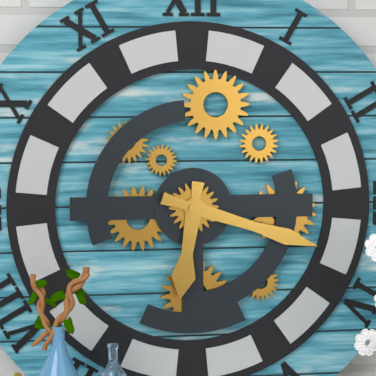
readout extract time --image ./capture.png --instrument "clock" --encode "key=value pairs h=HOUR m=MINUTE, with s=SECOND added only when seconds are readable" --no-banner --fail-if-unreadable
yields h=6 m=18
